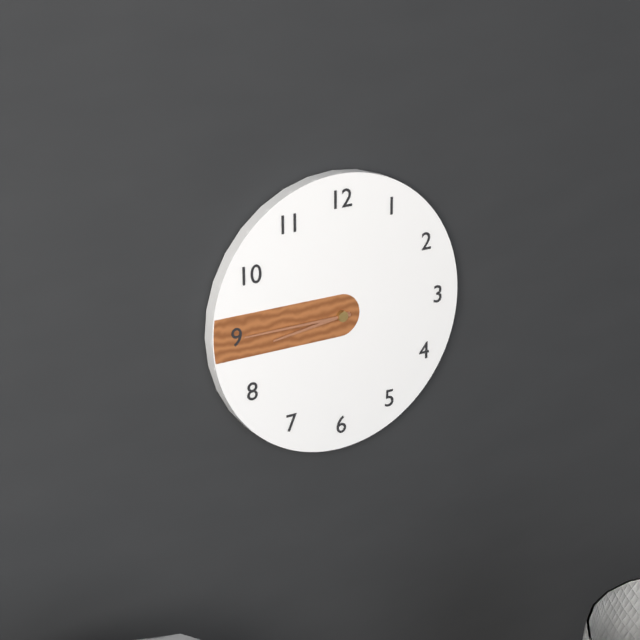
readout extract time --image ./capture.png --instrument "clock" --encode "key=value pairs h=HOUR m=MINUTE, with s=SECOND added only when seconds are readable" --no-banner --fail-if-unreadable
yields h=8 m=45
